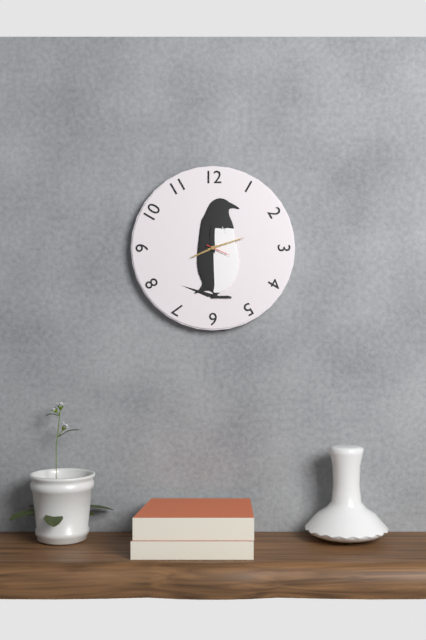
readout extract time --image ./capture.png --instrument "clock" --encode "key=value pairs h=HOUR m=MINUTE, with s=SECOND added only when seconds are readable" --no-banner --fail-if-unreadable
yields h=8 m=12
